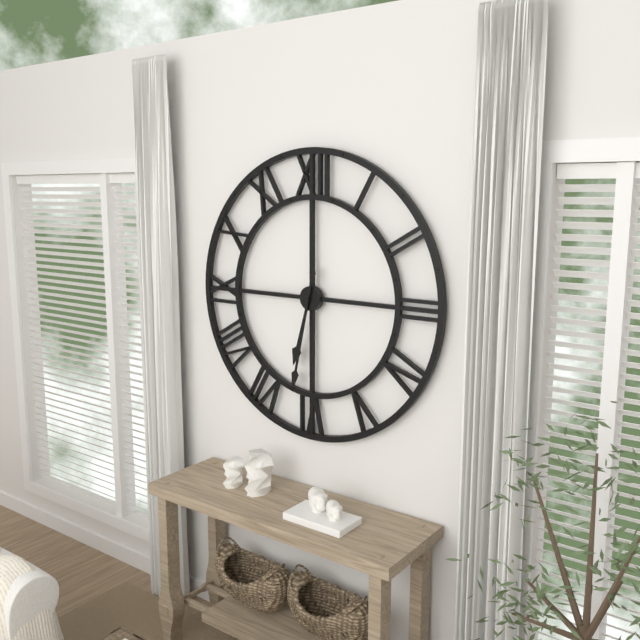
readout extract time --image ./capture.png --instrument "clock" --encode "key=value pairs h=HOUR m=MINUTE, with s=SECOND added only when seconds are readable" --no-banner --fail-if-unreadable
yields h=6 m=32
